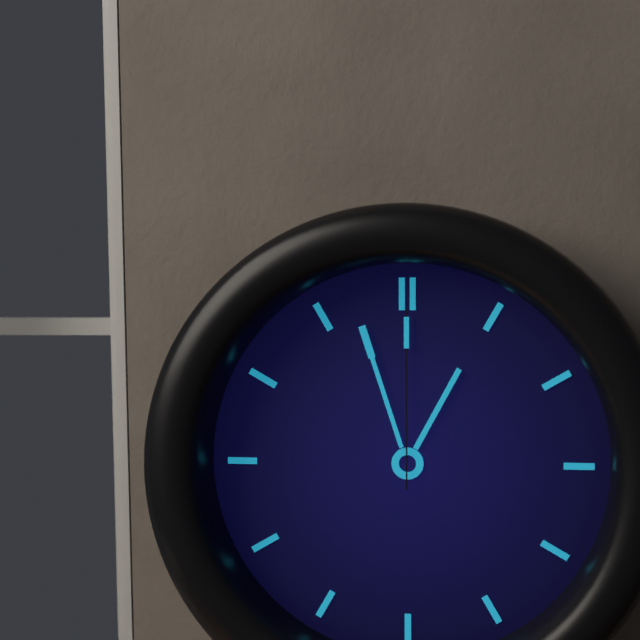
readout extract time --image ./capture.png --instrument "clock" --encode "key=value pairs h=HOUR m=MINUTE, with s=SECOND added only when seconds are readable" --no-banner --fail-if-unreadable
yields h=12 m=57 s=0
